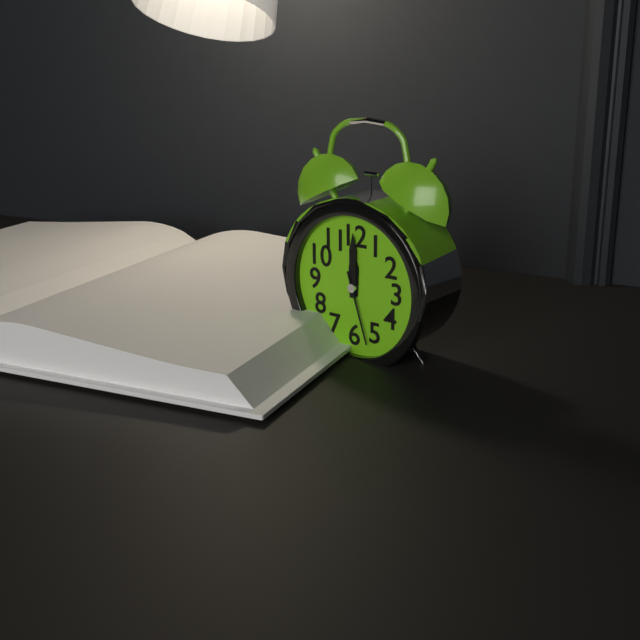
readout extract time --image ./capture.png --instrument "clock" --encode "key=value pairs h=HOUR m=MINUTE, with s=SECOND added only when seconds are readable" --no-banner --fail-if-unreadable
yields h=12 m=0 s=27
